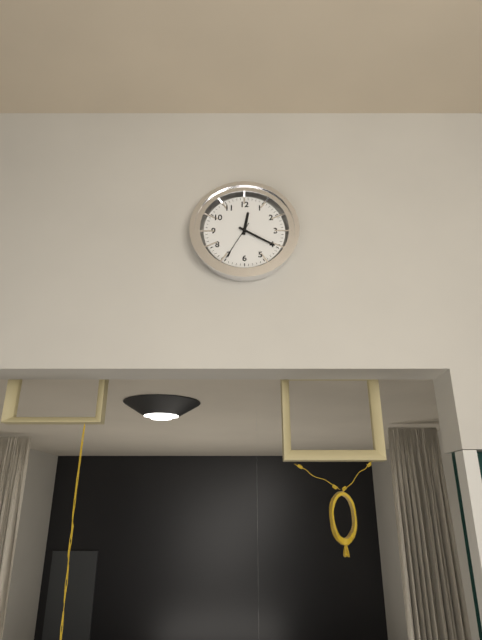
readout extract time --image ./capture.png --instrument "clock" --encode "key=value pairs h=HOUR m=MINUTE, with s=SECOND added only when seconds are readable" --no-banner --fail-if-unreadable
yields h=12 m=20
